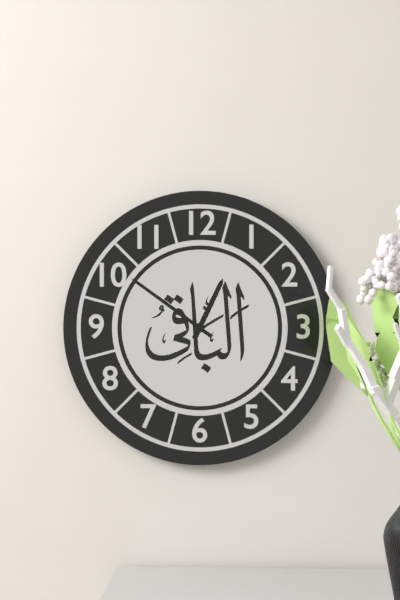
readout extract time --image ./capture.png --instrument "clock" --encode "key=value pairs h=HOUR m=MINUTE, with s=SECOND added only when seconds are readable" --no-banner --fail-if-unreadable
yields h=12 m=51
